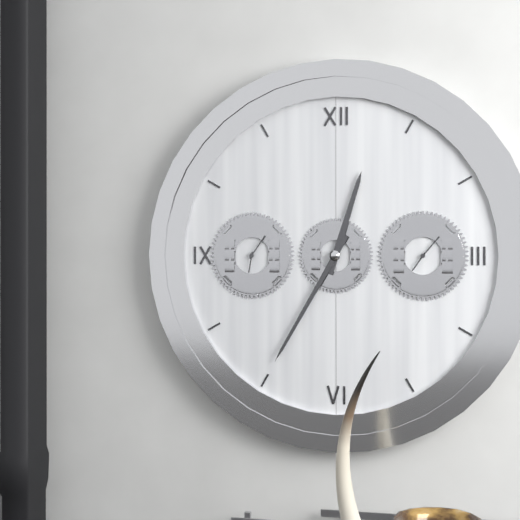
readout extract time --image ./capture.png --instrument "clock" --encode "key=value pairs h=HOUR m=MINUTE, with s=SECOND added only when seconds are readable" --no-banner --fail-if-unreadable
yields h=12 m=35
